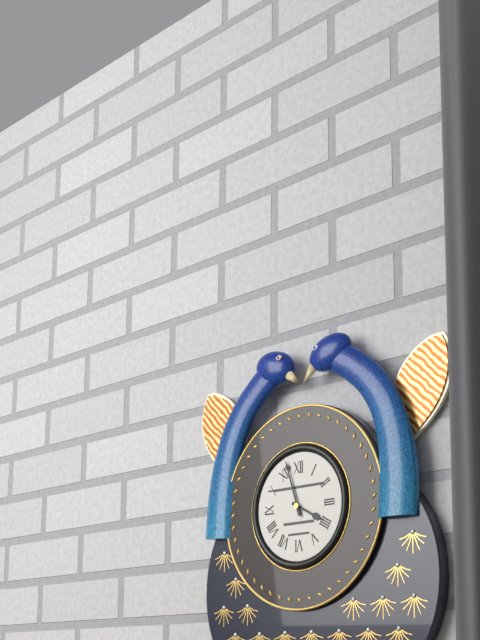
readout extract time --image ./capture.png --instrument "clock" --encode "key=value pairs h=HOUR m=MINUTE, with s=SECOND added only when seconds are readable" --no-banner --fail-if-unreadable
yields h=3 m=57
